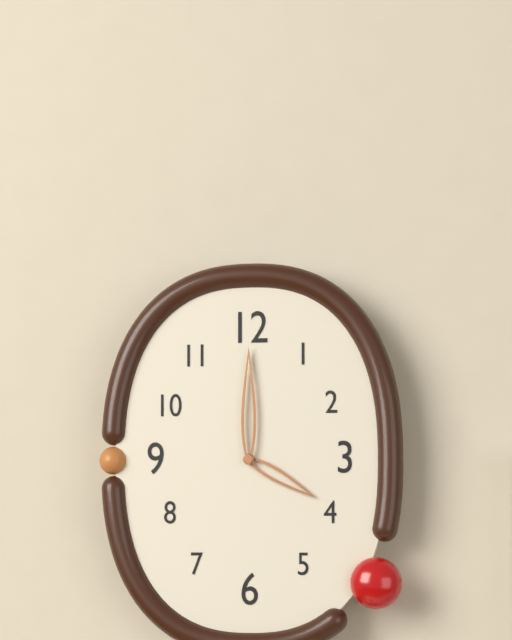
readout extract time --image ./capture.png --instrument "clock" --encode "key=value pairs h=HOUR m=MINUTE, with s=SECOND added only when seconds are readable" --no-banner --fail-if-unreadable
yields h=4 m=0
